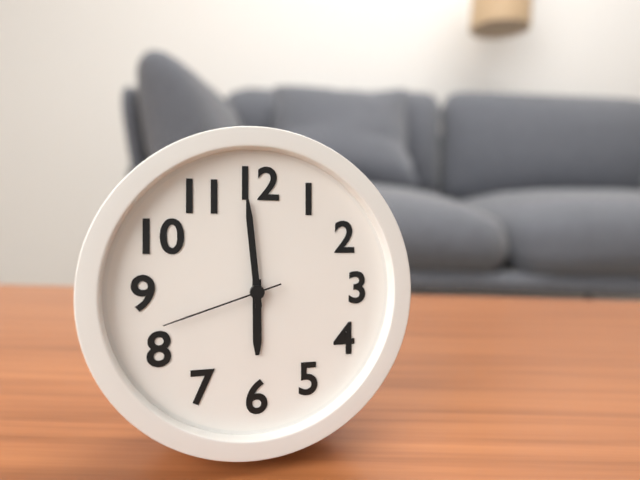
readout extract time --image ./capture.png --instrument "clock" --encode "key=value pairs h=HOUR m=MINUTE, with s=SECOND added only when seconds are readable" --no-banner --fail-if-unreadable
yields h=5 m=59 s=42
